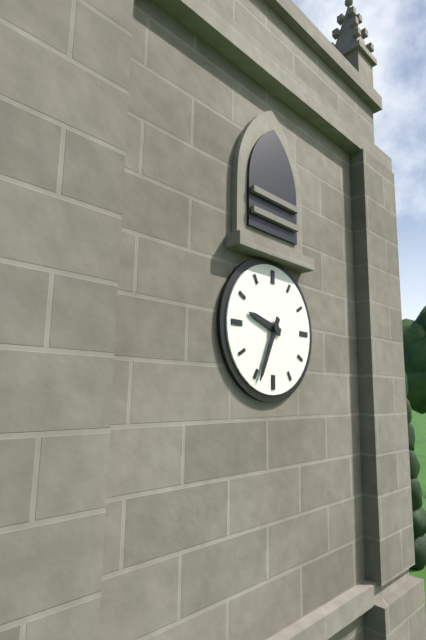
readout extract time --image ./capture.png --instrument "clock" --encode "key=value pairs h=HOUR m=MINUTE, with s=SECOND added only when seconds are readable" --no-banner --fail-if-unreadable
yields h=9 m=34
